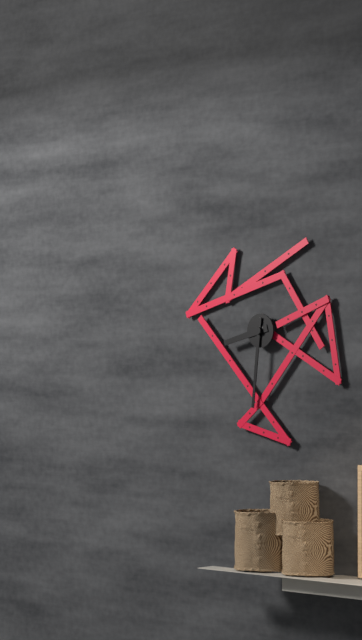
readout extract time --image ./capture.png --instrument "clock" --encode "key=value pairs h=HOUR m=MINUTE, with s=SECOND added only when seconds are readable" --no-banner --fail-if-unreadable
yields h=8 m=31
